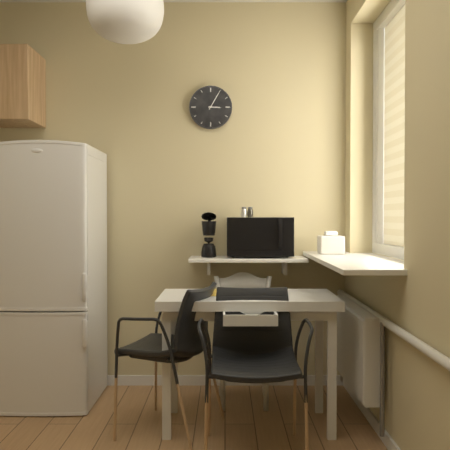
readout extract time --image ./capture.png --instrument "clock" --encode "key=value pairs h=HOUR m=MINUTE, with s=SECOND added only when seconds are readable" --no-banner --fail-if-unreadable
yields h=3 m=5
